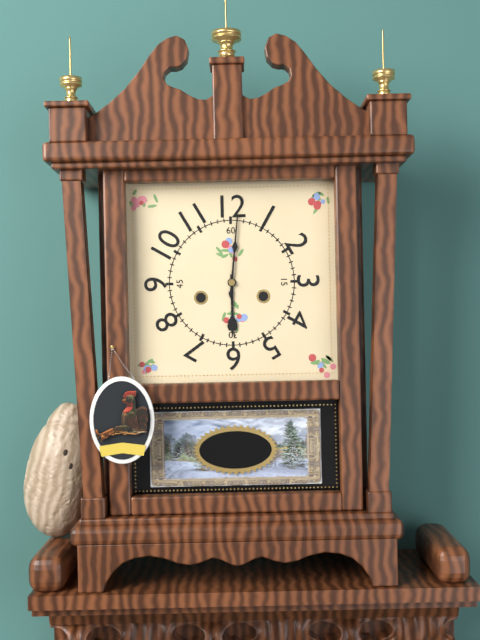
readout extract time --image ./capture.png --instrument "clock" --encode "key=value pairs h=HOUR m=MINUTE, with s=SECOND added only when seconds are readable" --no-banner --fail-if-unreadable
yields h=6 m=1
